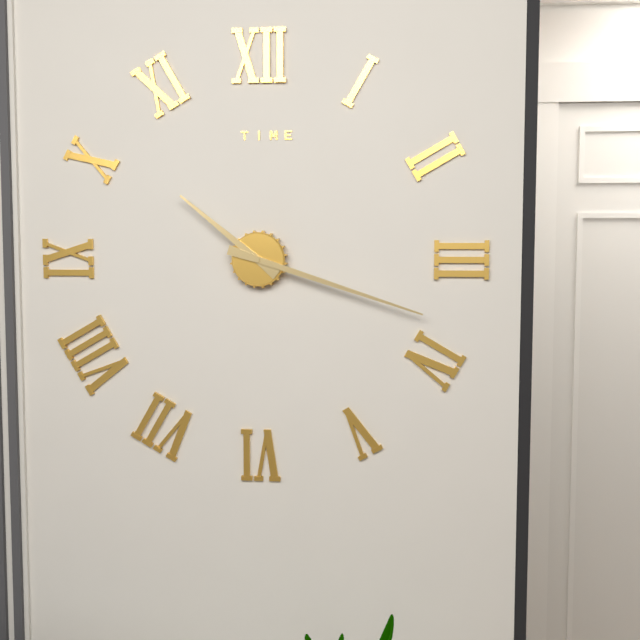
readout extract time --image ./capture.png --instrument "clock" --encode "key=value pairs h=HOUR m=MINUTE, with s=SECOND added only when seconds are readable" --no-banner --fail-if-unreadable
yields h=10 m=18
